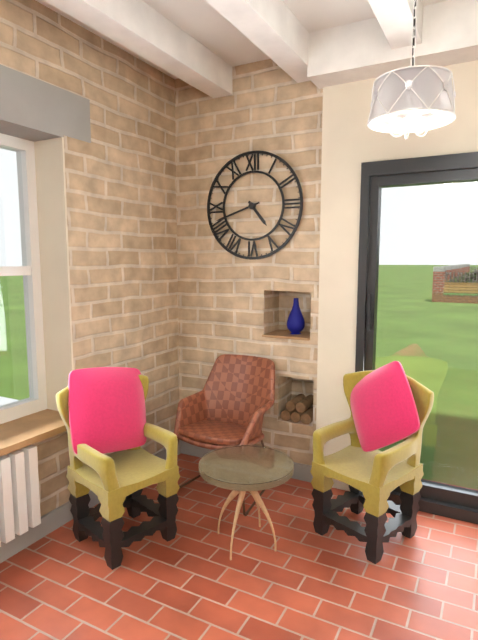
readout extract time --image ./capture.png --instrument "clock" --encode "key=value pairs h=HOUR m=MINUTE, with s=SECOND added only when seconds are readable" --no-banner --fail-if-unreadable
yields h=4 m=42
